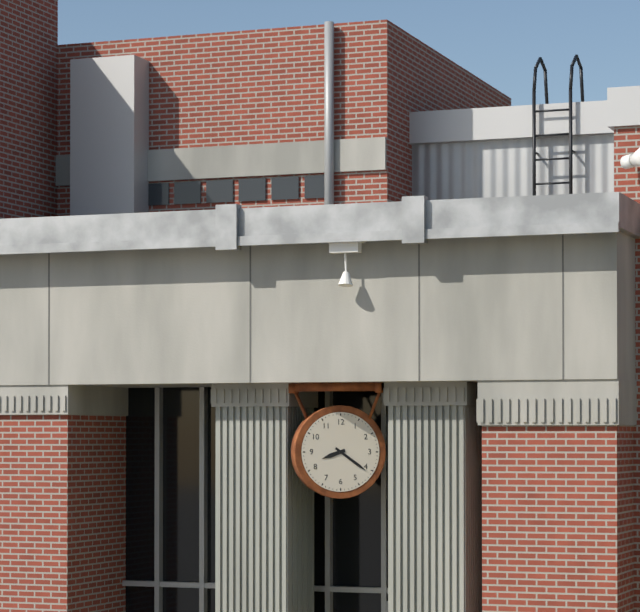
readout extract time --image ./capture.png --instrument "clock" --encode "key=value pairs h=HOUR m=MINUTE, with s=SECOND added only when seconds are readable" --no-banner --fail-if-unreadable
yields h=8 m=21
